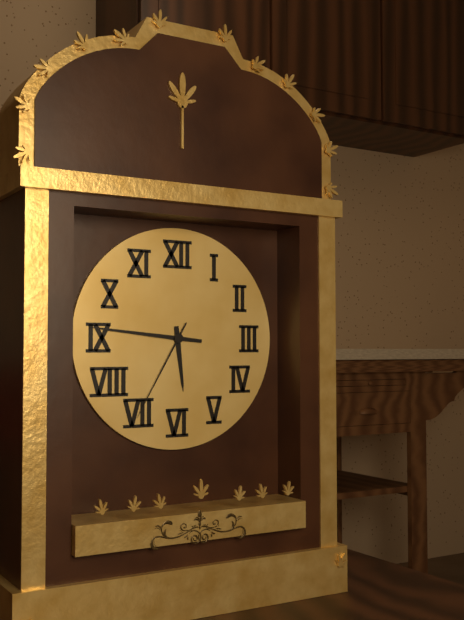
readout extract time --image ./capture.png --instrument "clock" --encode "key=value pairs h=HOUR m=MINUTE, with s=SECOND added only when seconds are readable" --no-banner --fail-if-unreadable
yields h=5 m=46 s=35
